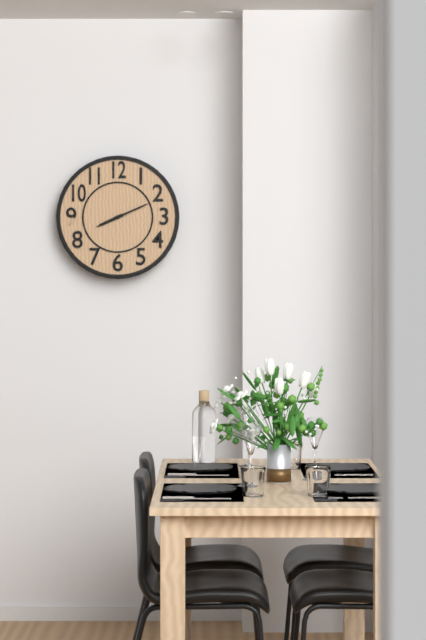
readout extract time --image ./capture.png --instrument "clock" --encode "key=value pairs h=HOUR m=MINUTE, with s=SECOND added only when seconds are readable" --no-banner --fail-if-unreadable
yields h=8 m=11
